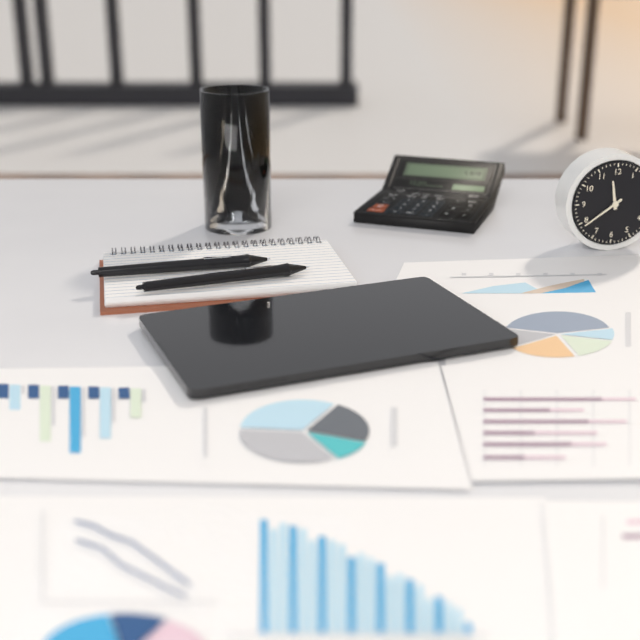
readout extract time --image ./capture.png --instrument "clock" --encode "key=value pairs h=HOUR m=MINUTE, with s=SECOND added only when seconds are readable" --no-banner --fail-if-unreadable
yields h=11 m=39
